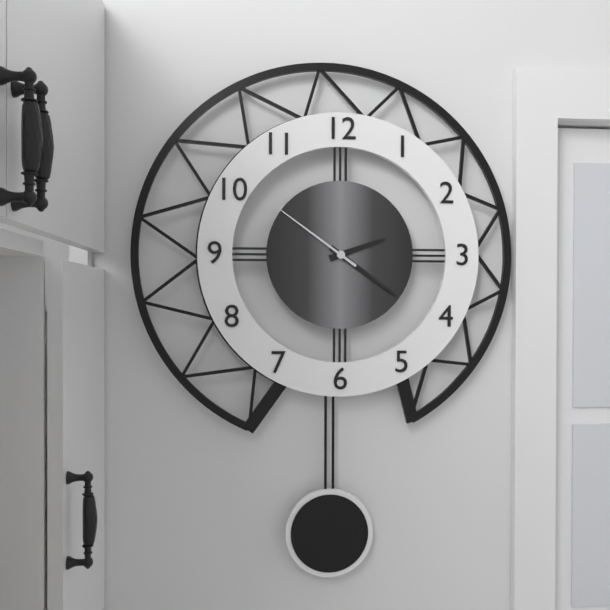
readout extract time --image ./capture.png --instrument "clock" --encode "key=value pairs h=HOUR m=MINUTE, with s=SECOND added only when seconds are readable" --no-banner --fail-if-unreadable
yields h=2 m=21 s=51
